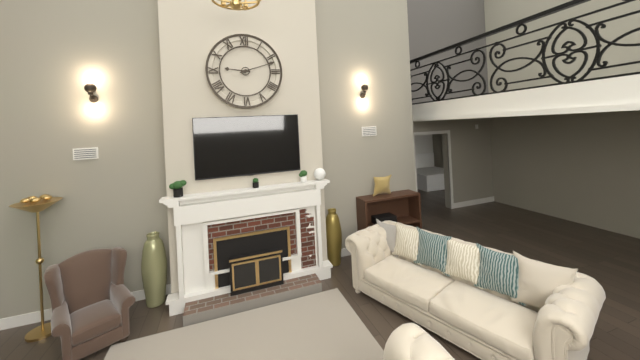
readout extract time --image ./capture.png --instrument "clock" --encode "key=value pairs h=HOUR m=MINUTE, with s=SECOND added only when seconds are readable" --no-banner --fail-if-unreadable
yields h=9 m=12
